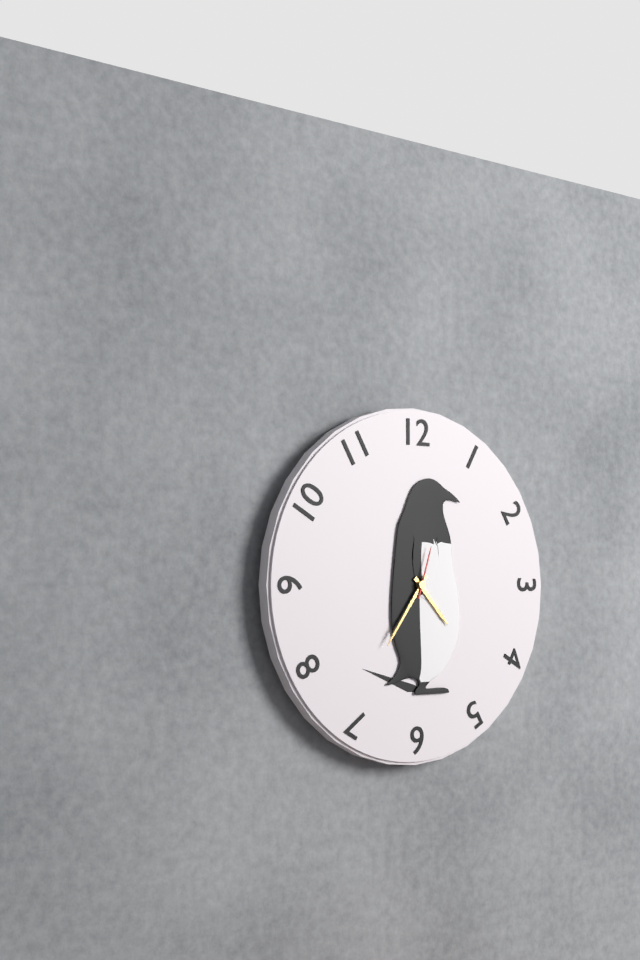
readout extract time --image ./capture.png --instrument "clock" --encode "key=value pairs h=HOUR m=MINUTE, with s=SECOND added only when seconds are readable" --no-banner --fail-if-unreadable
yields h=4 m=36 s=3
